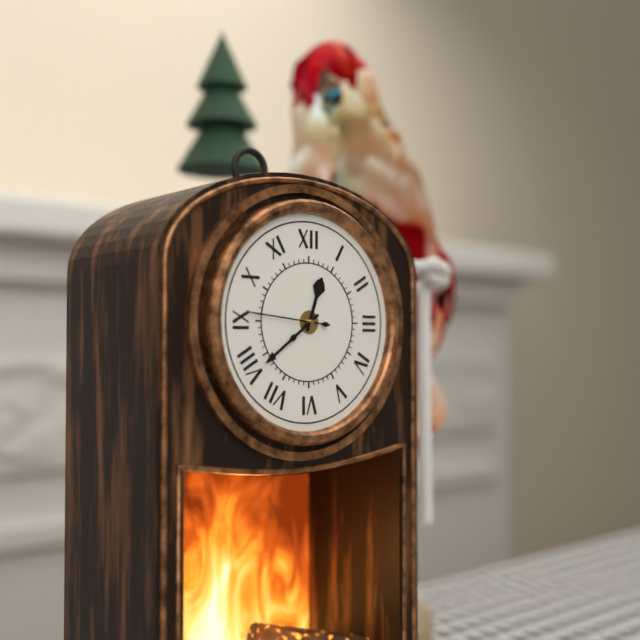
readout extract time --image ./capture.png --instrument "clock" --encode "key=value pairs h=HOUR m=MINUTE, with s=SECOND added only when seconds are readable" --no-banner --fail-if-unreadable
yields h=12 m=39 s=46
